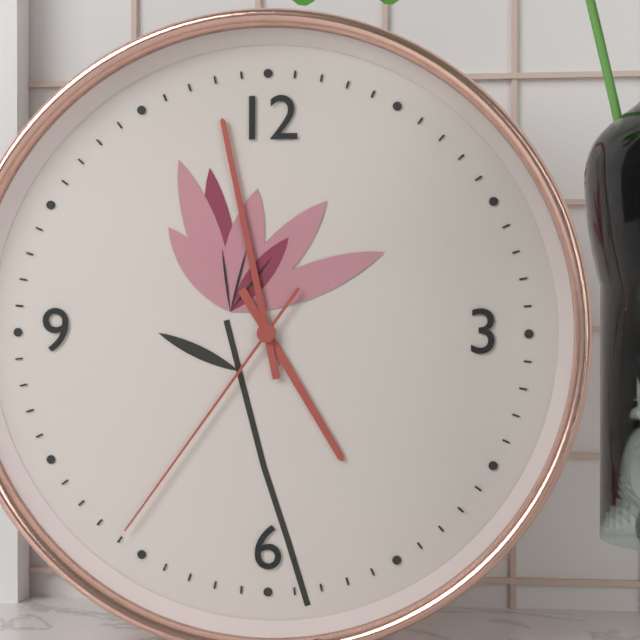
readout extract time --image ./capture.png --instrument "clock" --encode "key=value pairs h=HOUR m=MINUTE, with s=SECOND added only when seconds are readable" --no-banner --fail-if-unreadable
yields h=4 m=58 s=36
